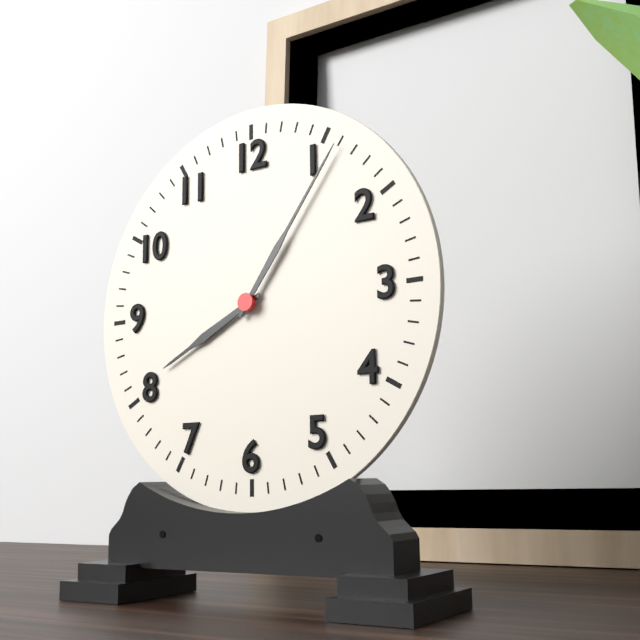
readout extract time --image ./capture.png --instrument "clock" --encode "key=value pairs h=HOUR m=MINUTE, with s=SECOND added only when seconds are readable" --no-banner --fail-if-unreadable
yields h=8 m=6
